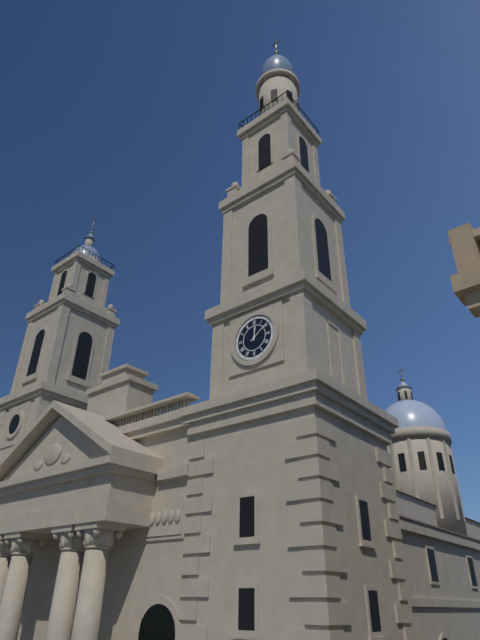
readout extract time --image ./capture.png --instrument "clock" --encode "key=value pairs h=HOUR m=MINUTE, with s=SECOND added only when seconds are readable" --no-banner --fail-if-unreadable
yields h=12 m=9
